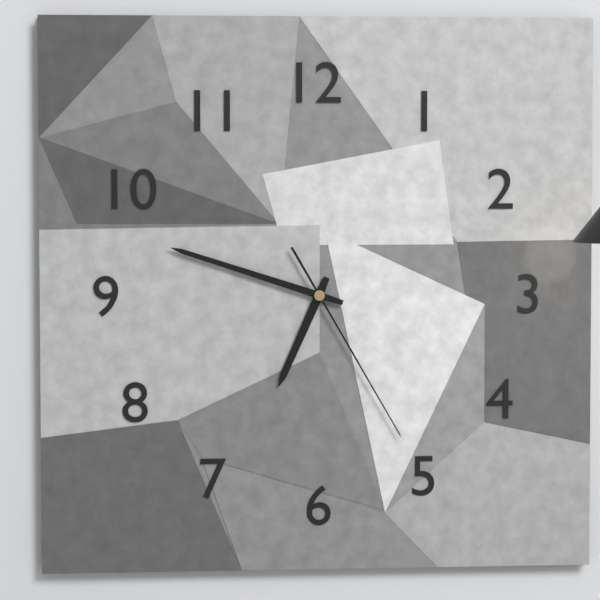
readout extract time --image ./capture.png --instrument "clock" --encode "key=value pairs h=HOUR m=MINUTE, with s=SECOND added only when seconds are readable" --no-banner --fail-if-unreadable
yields h=6 m=48 s=25
